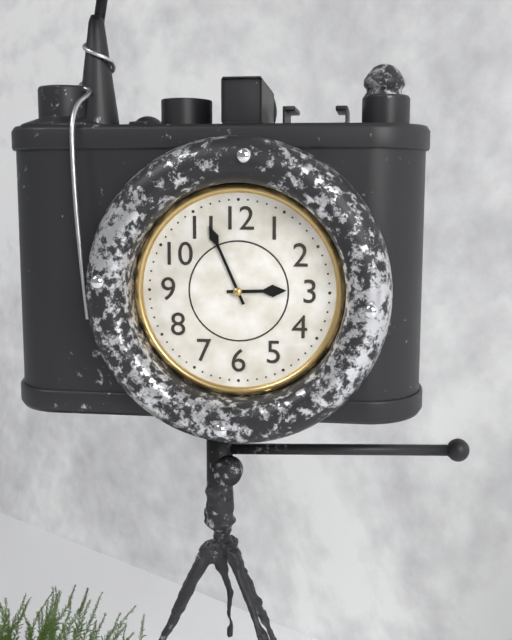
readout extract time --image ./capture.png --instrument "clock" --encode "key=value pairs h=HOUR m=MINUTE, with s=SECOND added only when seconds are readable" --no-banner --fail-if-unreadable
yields h=2 m=56
